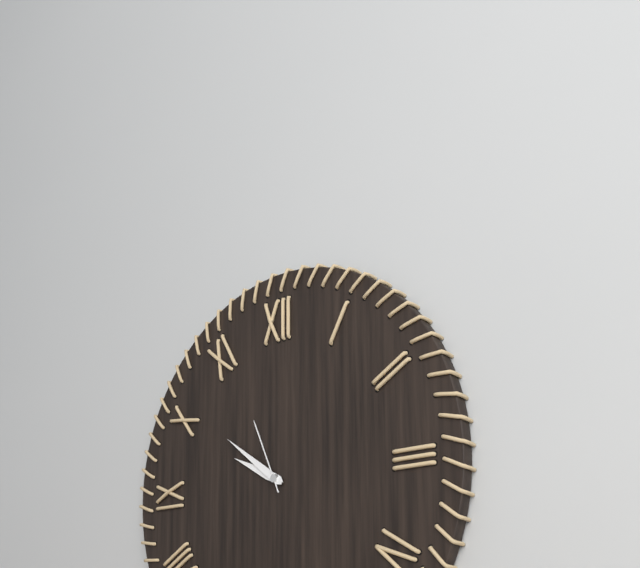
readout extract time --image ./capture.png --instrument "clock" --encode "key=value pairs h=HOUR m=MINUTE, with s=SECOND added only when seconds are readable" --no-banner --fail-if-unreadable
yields h=9 m=51 s=56
